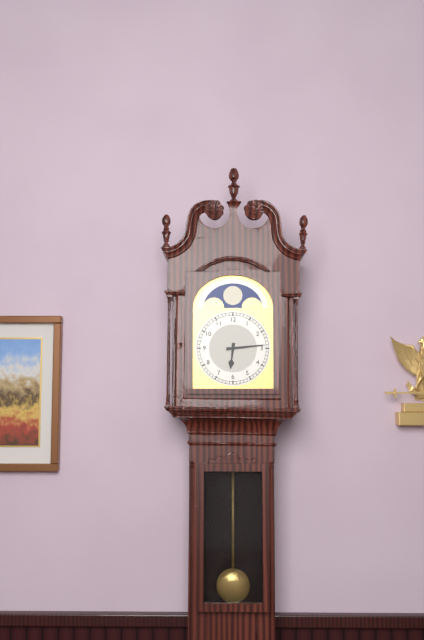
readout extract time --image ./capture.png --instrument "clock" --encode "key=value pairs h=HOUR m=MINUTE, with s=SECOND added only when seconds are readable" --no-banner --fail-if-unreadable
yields h=6 m=14
